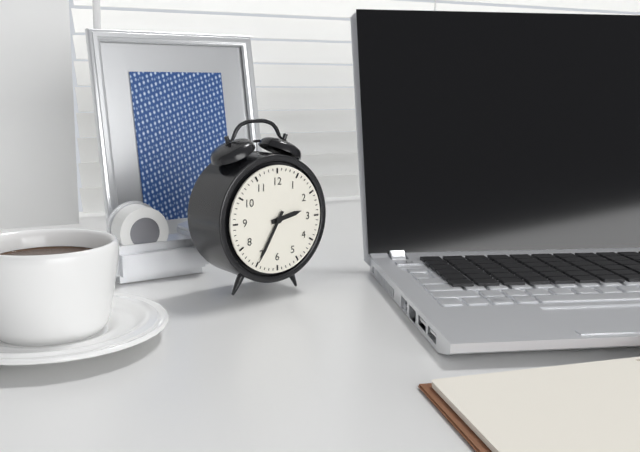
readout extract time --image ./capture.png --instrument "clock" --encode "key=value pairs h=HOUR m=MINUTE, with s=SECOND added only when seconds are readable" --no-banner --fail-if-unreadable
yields h=2 m=35
